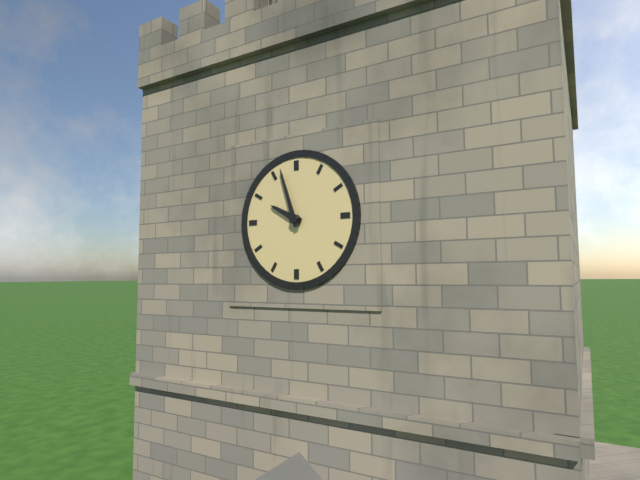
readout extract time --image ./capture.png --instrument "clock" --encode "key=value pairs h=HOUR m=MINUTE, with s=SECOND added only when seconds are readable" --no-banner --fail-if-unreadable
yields h=9 m=57
